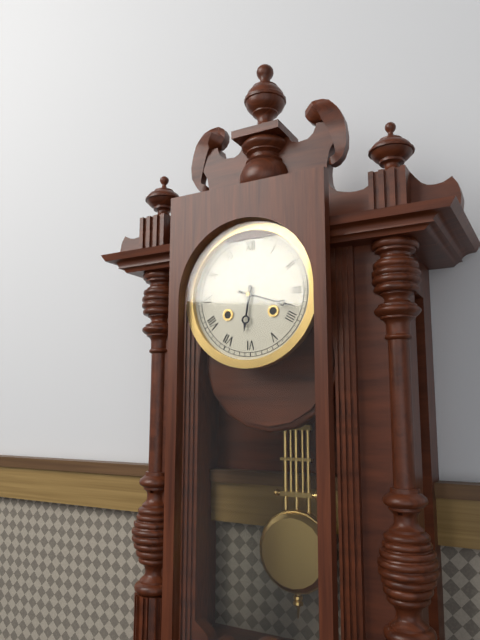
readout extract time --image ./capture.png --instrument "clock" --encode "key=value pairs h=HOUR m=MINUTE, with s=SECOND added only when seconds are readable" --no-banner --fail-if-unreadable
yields h=6 m=18
